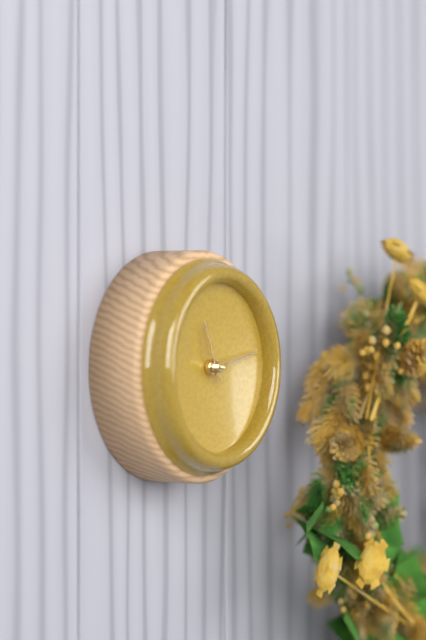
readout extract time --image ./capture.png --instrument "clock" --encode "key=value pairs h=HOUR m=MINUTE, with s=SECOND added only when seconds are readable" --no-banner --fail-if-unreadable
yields h=11 m=13
